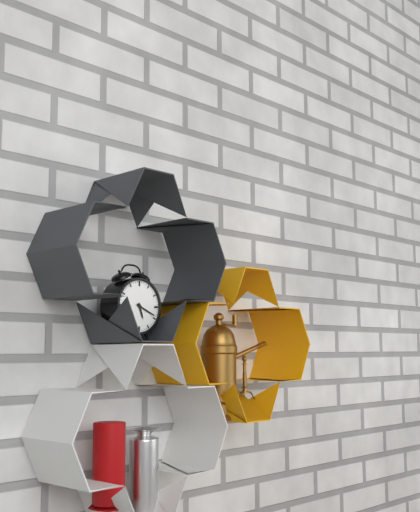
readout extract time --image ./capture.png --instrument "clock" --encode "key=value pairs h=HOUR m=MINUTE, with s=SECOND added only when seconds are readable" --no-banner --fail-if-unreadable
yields h=5 m=19
